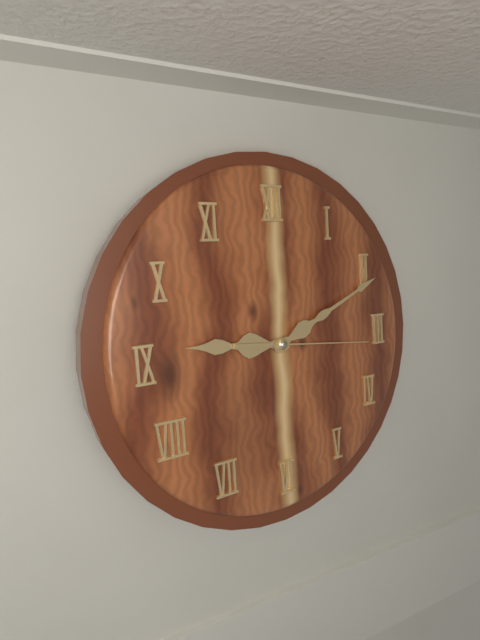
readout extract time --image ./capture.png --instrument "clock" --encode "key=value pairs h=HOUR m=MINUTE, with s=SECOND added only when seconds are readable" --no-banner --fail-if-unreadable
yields h=9 m=11 s=16
